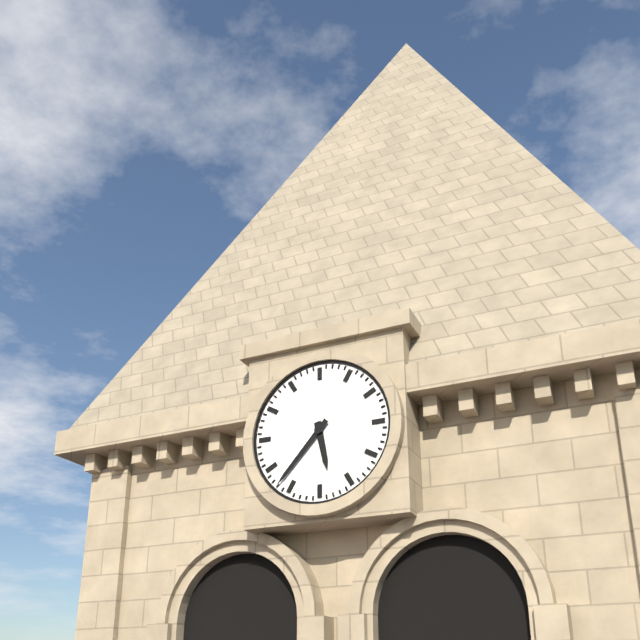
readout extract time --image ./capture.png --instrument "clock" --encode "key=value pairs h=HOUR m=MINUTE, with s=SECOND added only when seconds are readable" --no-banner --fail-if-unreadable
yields h=5 m=37
